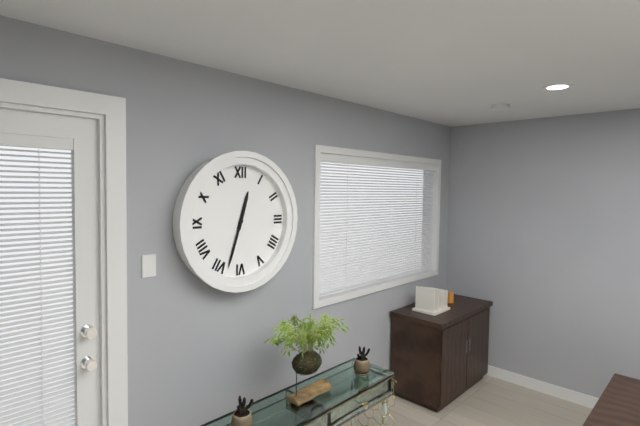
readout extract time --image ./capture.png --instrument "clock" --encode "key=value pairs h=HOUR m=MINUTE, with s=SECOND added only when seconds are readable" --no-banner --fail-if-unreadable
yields h=12 m=33
